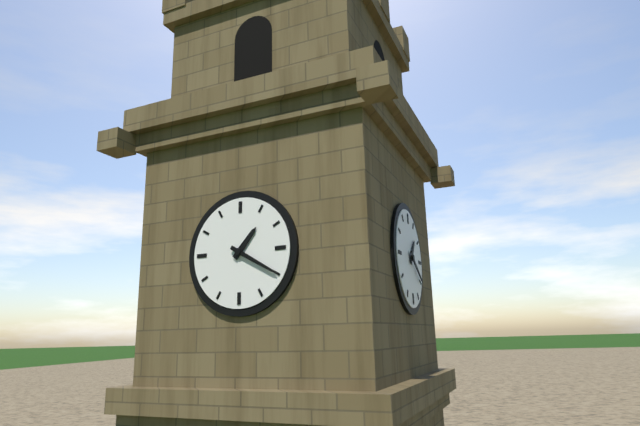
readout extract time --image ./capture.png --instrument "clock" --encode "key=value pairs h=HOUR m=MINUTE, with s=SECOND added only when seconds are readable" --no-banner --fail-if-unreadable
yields h=1 m=20
